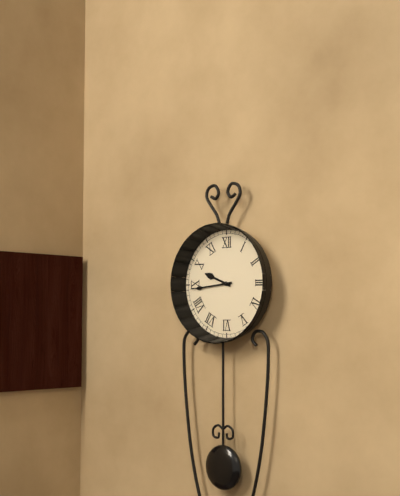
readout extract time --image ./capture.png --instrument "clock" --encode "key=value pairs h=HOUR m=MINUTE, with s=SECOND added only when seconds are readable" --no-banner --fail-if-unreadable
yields h=9 m=44
